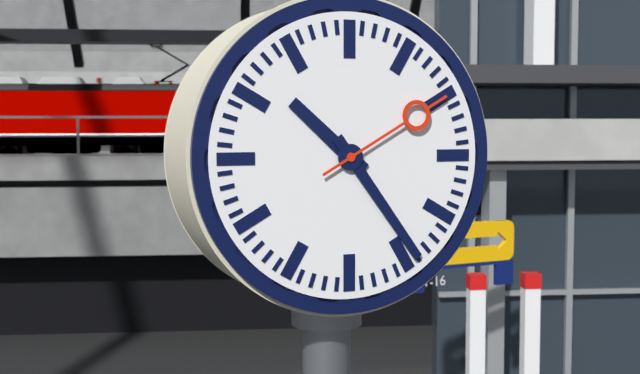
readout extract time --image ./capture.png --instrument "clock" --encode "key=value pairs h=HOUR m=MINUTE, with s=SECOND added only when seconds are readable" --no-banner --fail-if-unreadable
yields h=10 m=24 s=10
